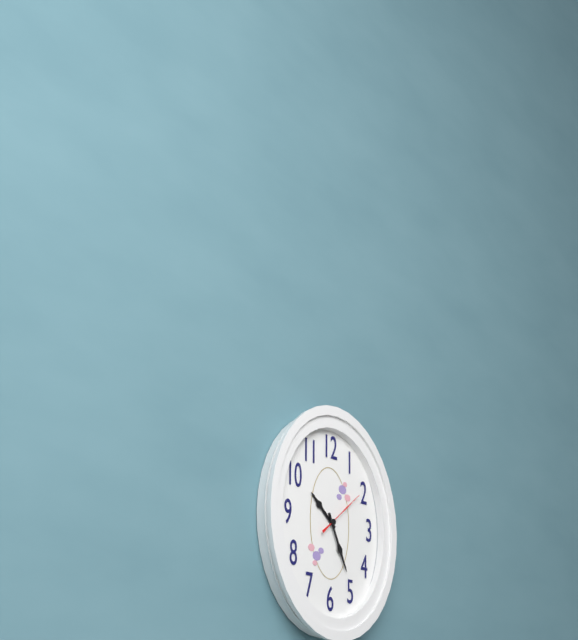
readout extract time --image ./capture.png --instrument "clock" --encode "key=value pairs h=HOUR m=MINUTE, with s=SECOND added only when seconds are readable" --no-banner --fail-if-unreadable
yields h=10 m=26
